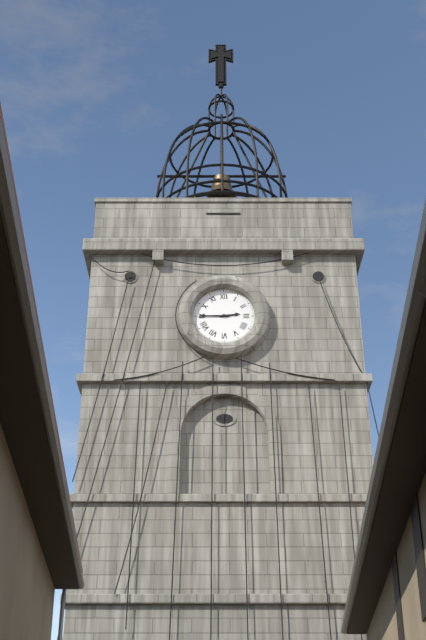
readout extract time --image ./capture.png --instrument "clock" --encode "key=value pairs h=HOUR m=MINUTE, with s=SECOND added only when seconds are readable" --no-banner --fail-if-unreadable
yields h=2 m=45
